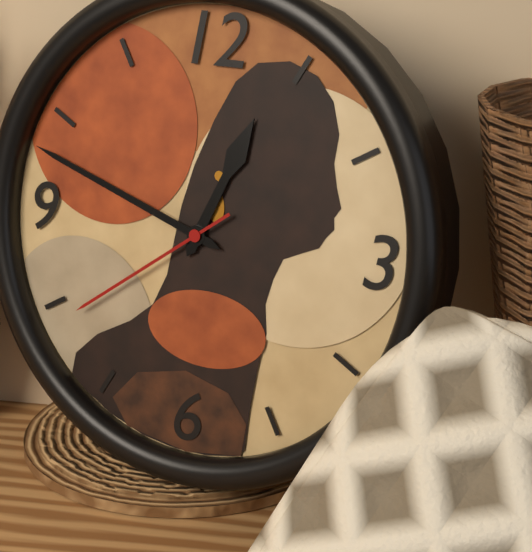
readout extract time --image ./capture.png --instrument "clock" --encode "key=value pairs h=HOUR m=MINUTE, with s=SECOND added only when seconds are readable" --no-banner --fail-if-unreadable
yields h=12 m=48 s=39
